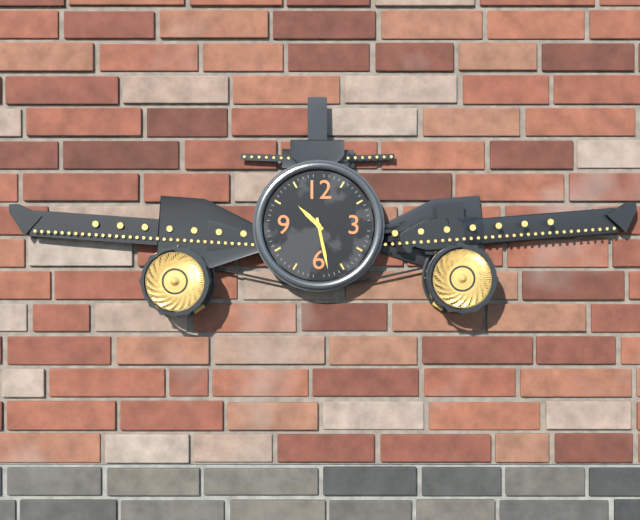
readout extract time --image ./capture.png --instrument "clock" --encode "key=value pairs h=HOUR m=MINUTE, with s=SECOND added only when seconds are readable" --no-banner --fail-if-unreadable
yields h=10 m=28
